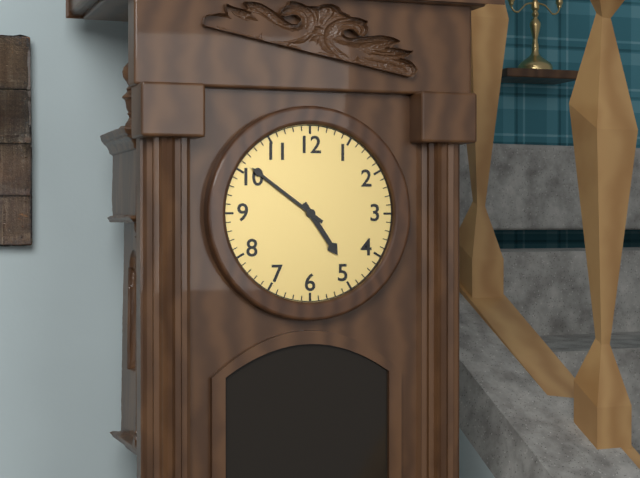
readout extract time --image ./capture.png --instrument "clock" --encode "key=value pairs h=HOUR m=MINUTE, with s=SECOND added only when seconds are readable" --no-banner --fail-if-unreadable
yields h=4 m=51
